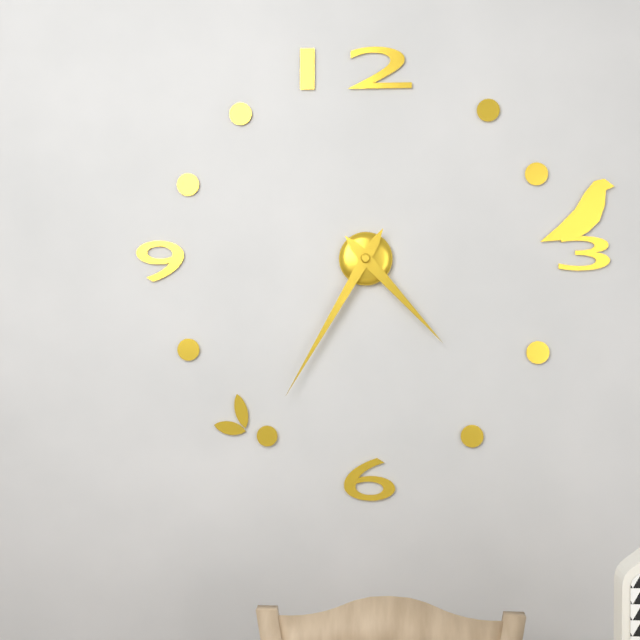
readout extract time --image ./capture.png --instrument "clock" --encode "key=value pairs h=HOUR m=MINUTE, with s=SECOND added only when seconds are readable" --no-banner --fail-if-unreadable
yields h=4 m=35
